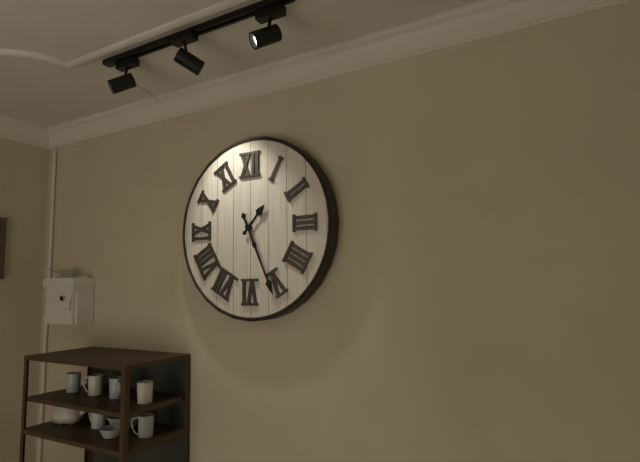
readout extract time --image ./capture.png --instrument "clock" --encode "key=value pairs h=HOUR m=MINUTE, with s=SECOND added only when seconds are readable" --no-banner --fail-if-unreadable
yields h=1 m=26
